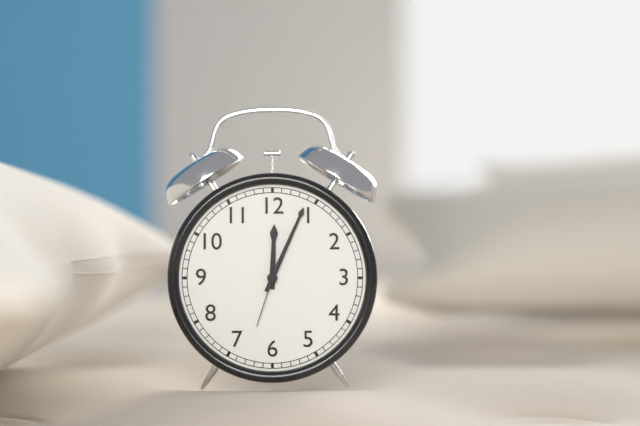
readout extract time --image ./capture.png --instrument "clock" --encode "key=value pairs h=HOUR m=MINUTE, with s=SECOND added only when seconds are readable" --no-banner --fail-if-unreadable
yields h=12 m=4 s=33
